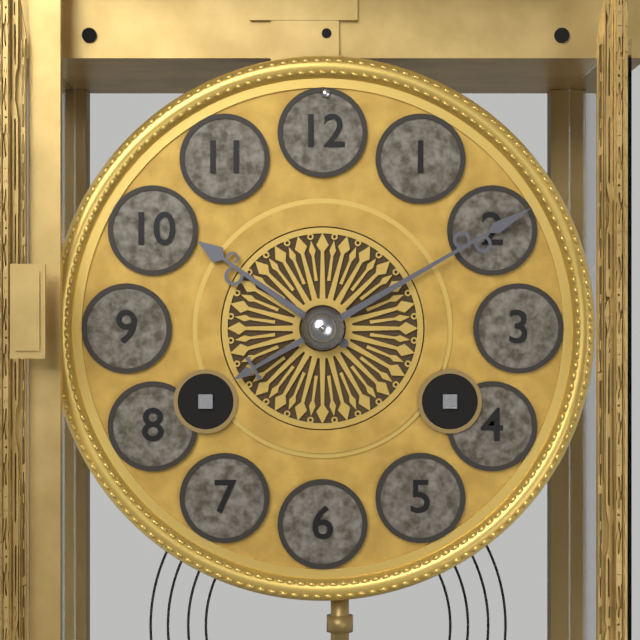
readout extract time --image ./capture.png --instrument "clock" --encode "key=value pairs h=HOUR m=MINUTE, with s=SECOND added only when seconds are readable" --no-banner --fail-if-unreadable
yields h=10 m=10
